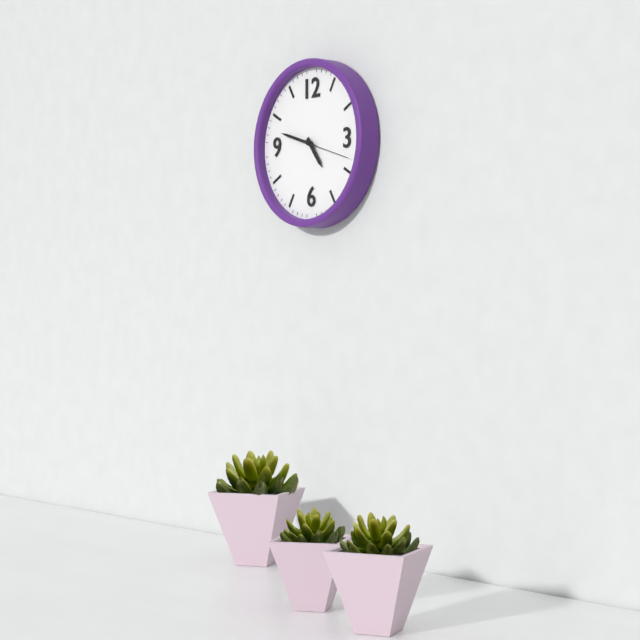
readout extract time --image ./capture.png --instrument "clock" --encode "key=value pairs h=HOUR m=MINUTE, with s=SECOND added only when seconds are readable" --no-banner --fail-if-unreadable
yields h=4 m=48
